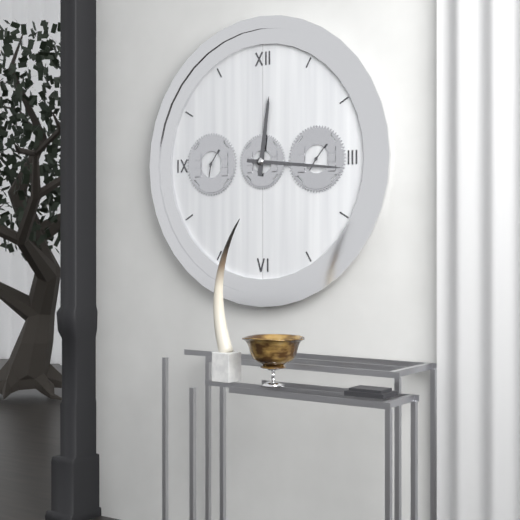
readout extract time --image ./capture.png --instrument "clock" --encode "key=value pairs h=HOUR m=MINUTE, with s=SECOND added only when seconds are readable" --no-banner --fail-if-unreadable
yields h=12 m=16
